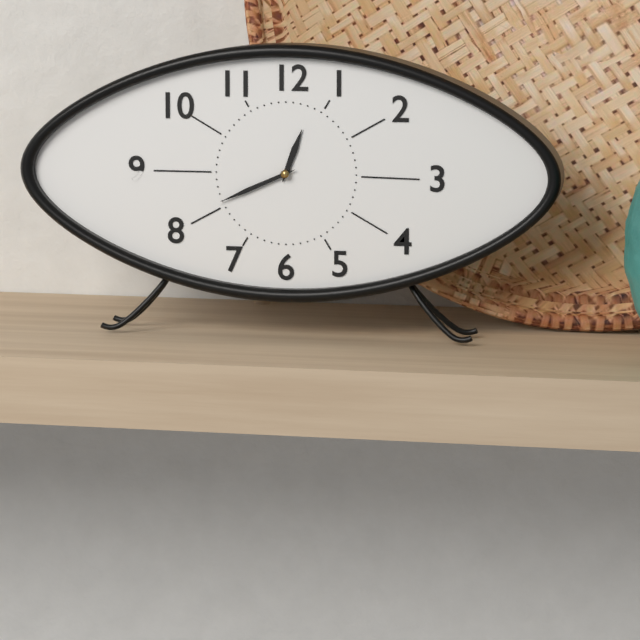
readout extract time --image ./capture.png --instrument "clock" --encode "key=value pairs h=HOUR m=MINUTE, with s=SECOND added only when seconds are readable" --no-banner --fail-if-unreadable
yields h=12 m=41
